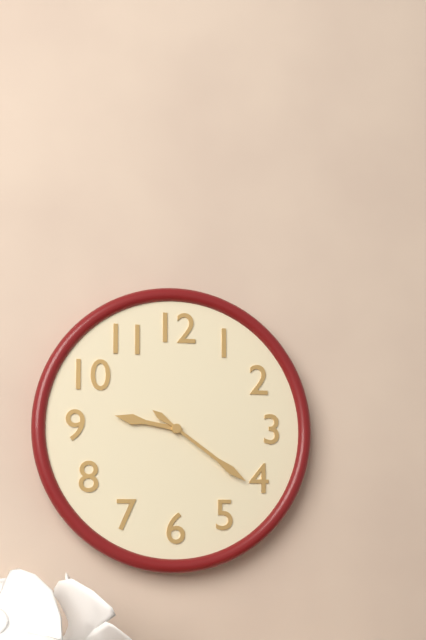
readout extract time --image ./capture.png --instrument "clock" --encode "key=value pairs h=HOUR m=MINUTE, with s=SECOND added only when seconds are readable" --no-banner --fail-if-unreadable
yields h=9 m=21
